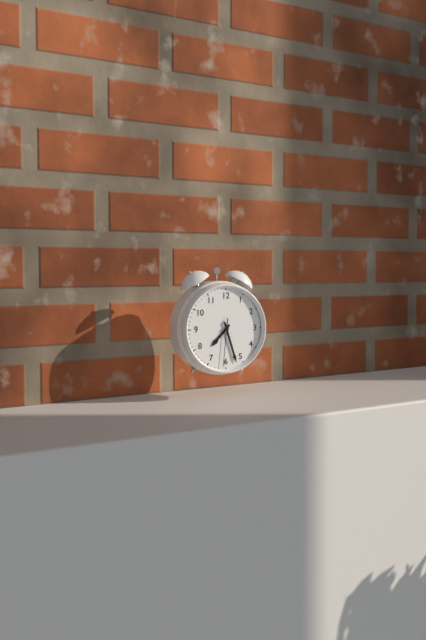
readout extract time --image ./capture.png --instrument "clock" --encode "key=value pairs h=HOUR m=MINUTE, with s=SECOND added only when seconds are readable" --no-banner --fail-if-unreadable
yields h=7 m=27
